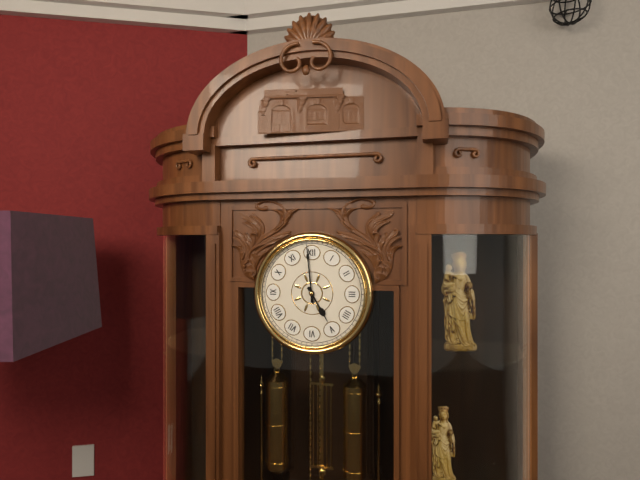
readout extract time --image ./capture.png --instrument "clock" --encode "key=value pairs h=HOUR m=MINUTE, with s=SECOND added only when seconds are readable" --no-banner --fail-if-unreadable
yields h=4 m=59
